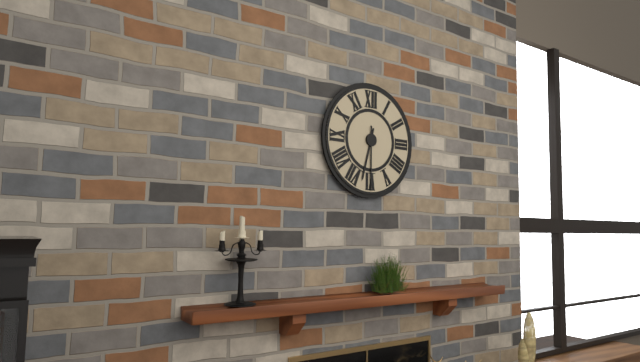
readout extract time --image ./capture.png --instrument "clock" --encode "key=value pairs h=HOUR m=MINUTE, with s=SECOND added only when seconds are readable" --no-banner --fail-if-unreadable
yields h=6 m=30
